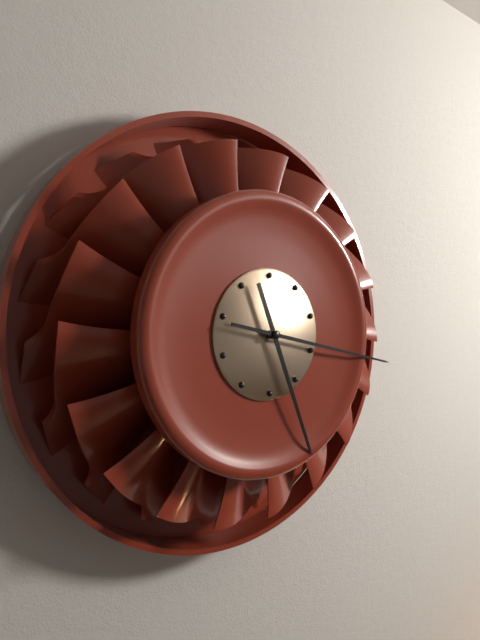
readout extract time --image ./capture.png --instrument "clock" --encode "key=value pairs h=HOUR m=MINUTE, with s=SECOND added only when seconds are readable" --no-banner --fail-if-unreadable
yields h=5 m=17
